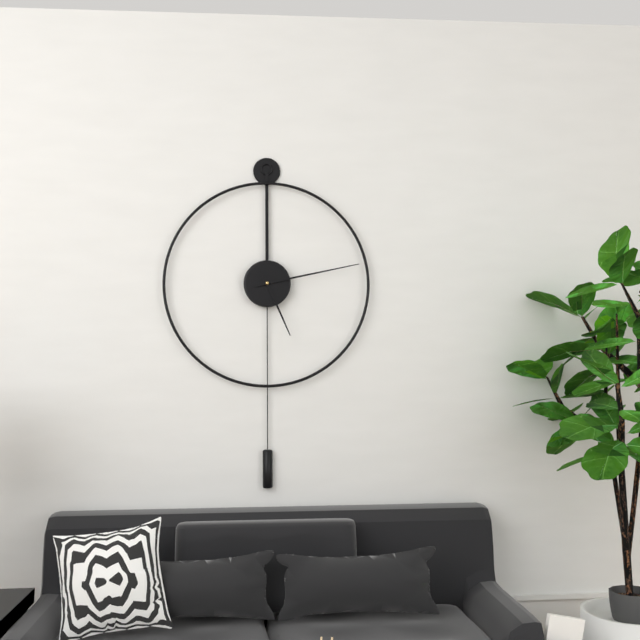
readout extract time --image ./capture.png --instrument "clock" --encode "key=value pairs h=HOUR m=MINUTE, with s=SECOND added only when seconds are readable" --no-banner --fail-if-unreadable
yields h=5 m=13
